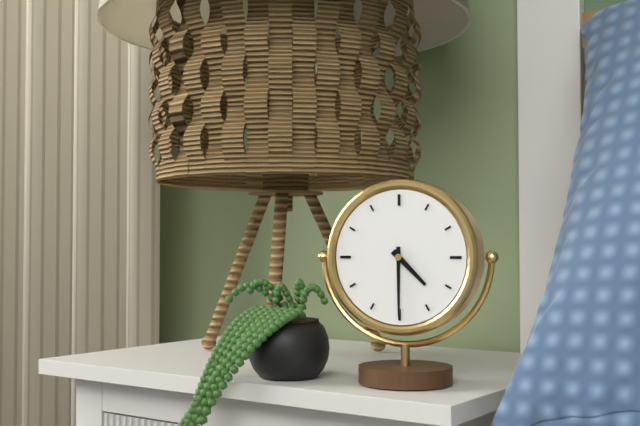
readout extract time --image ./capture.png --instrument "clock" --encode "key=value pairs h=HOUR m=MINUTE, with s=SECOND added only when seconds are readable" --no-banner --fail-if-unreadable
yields h=4 m=30
